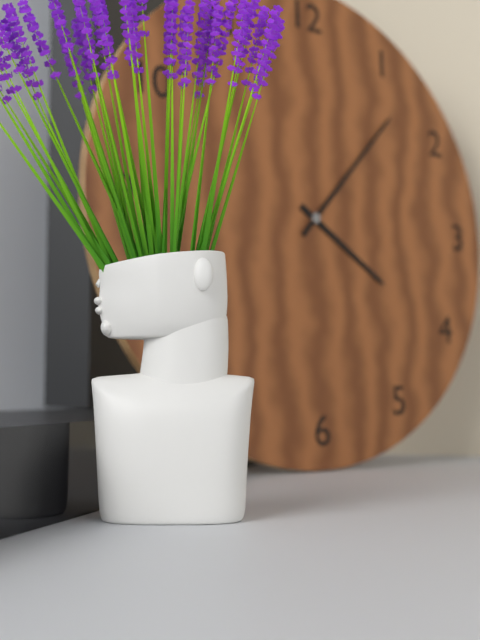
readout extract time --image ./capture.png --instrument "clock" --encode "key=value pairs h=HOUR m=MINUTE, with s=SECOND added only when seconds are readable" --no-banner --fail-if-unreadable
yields h=4 m=7
